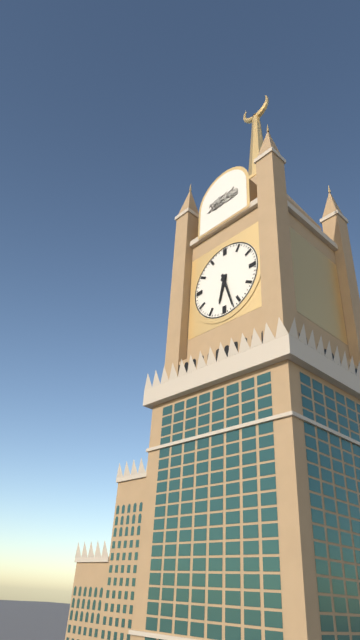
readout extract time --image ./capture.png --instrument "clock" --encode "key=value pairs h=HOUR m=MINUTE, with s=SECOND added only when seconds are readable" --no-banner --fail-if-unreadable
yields h=6 m=27
